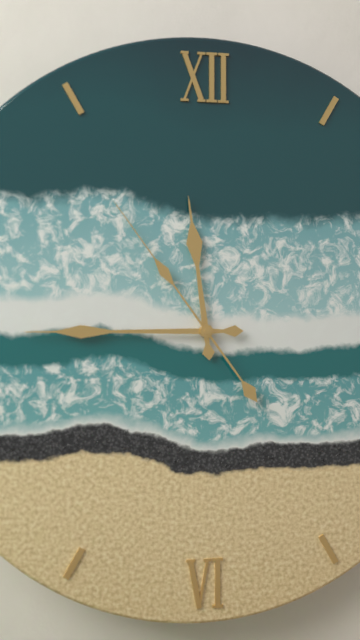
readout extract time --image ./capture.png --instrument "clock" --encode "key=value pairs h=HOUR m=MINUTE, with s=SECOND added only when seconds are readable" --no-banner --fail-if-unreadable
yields h=11 m=45 s=54
